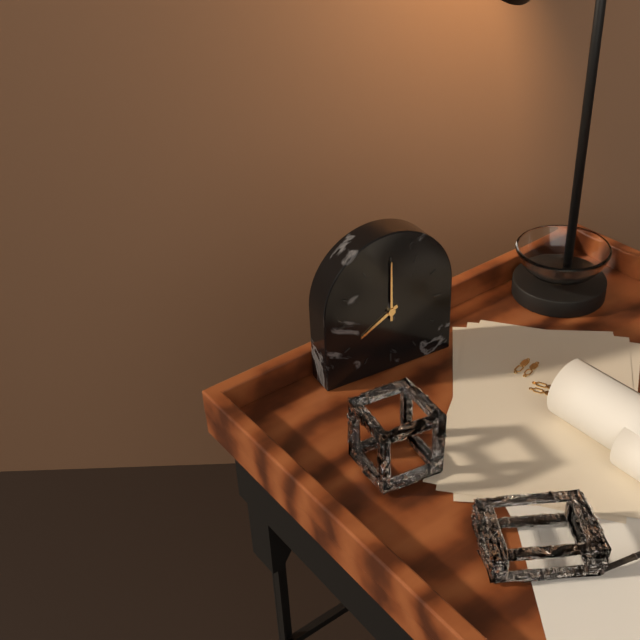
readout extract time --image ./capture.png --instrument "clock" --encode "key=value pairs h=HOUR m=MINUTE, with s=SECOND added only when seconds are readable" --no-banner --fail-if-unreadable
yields h=8 m=0
